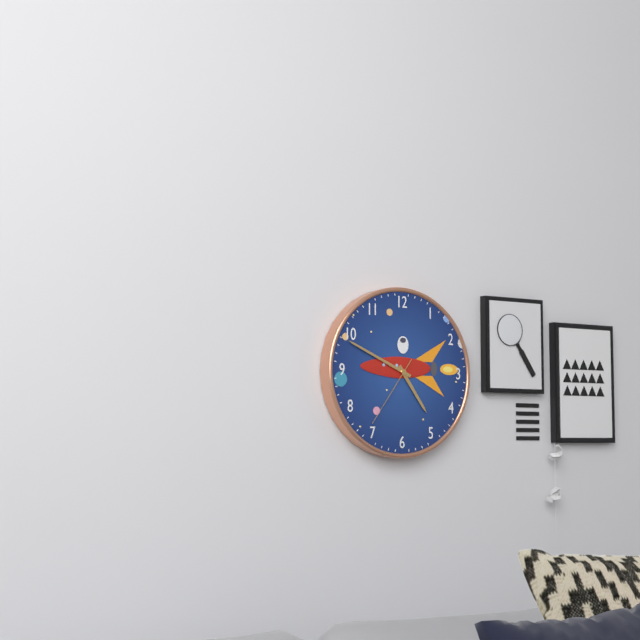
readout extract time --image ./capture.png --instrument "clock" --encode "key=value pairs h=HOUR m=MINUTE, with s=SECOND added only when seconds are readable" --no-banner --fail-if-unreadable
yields h=4 m=49 s=36
